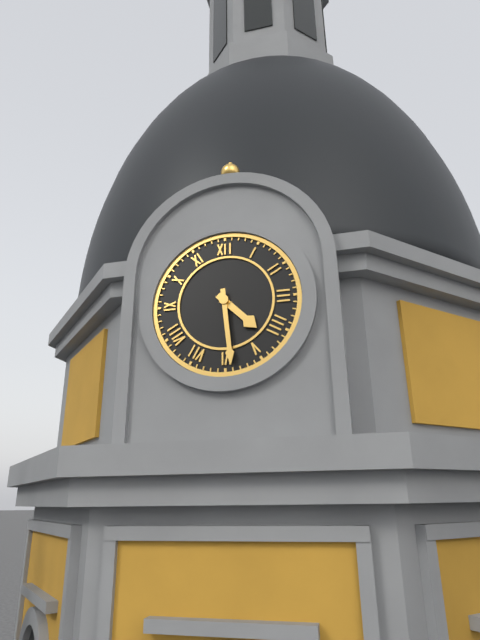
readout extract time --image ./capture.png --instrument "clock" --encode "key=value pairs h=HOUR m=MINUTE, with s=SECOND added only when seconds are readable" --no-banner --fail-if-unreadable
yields h=4 m=29
